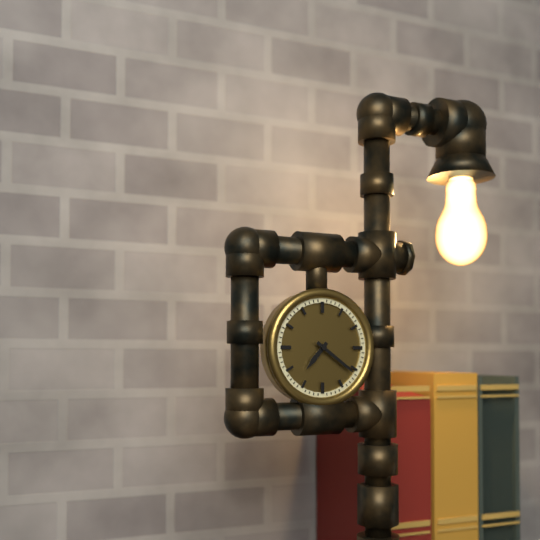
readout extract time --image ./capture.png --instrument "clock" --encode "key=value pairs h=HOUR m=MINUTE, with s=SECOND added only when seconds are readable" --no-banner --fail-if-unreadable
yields h=7 m=21
